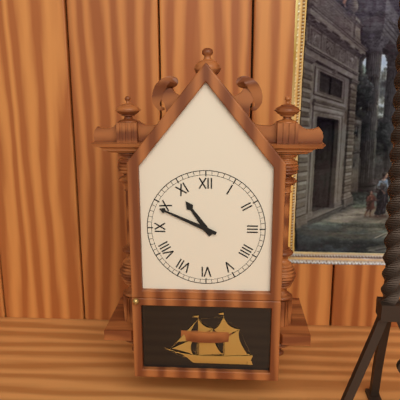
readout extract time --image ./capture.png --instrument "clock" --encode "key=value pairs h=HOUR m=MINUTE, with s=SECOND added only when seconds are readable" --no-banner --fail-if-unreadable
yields h=10 m=49
